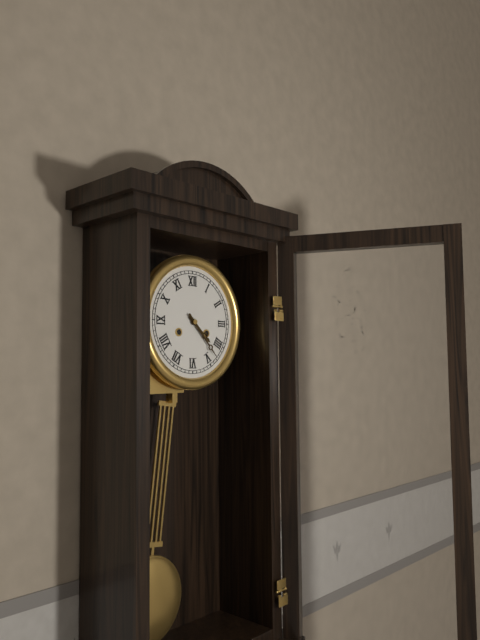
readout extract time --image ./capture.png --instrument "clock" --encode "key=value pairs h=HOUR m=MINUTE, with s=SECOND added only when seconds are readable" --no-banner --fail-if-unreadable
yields h=4 m=23
